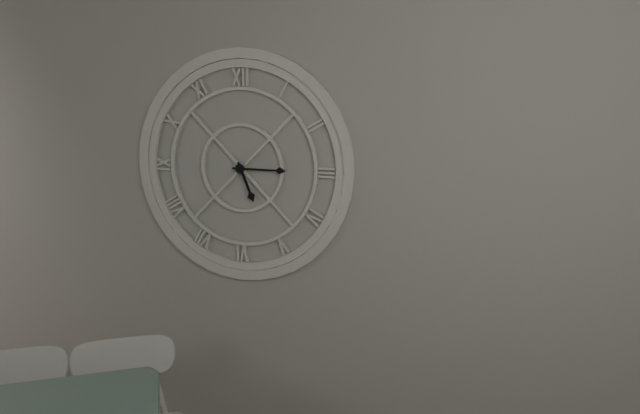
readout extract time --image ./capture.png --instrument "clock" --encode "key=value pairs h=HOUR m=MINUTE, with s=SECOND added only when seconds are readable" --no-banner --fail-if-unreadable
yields h=5 m=15
